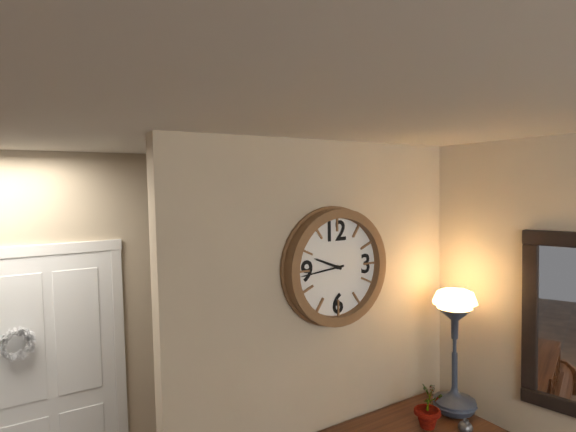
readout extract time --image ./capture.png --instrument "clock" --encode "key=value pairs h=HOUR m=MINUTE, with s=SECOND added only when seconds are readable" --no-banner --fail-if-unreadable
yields h=9 m=44
